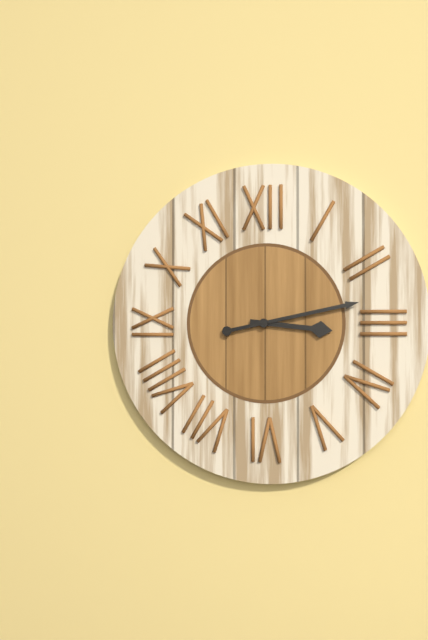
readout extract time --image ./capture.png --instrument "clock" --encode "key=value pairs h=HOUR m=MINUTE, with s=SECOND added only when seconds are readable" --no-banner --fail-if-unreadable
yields h=3 m=13
